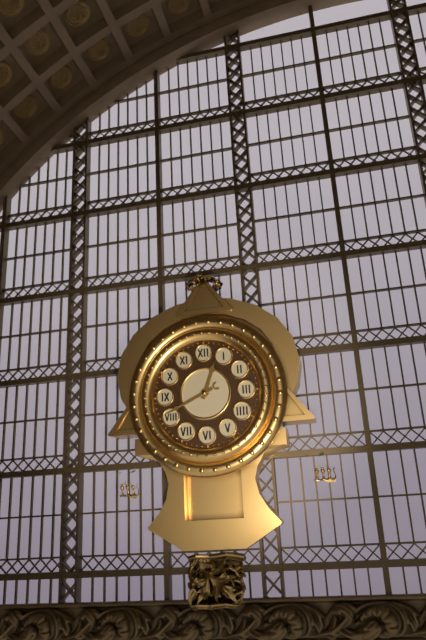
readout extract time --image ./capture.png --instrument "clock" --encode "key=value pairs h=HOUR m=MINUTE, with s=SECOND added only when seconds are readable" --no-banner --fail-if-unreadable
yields h=12 m=41
